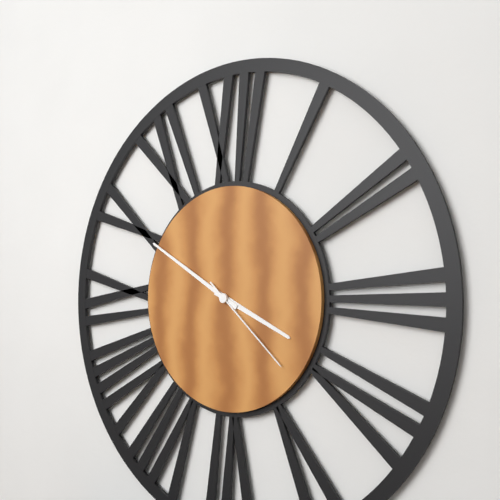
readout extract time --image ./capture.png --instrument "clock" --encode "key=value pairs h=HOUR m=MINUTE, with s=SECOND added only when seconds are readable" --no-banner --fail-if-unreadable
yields h=3 m=50 s=22
